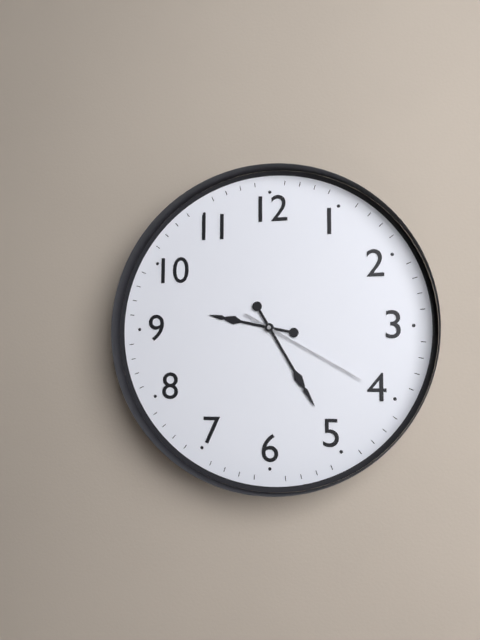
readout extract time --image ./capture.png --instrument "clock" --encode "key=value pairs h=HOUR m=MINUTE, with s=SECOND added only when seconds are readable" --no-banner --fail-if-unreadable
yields h=9 m=25 s=20
